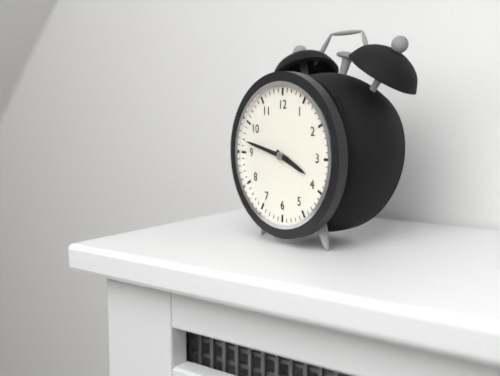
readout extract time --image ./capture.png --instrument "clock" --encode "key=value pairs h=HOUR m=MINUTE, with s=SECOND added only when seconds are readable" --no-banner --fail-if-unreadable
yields h=3 m=47
